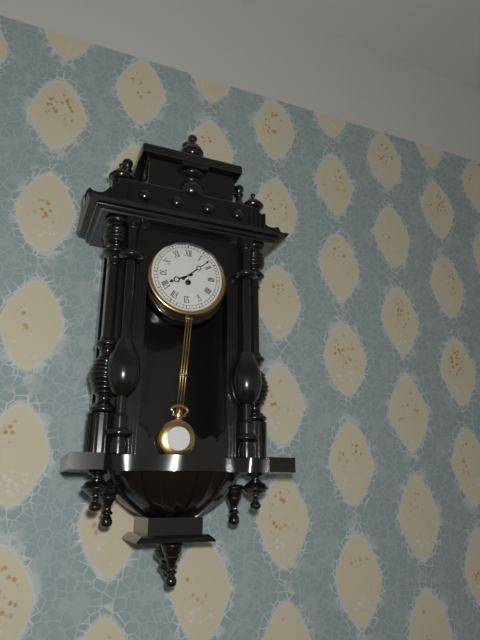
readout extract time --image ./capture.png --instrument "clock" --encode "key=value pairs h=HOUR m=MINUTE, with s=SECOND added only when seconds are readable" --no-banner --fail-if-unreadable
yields h=8 m=8
